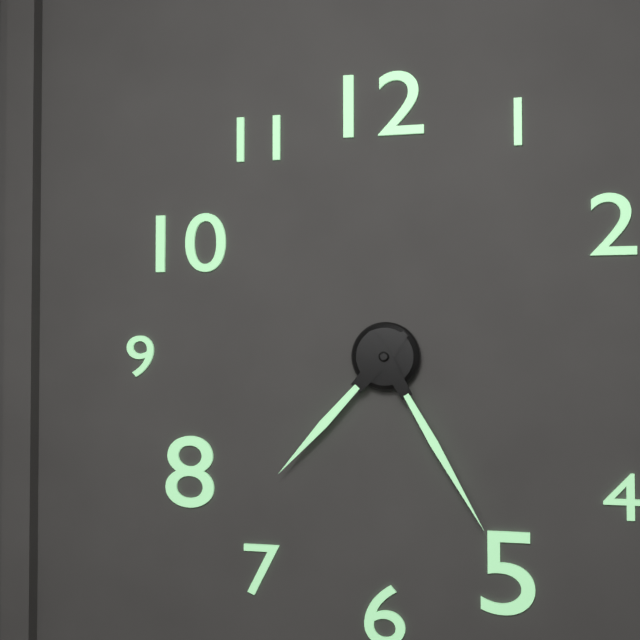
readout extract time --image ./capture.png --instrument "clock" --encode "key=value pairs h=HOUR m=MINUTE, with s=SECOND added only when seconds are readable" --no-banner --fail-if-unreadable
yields h=7 m=25
